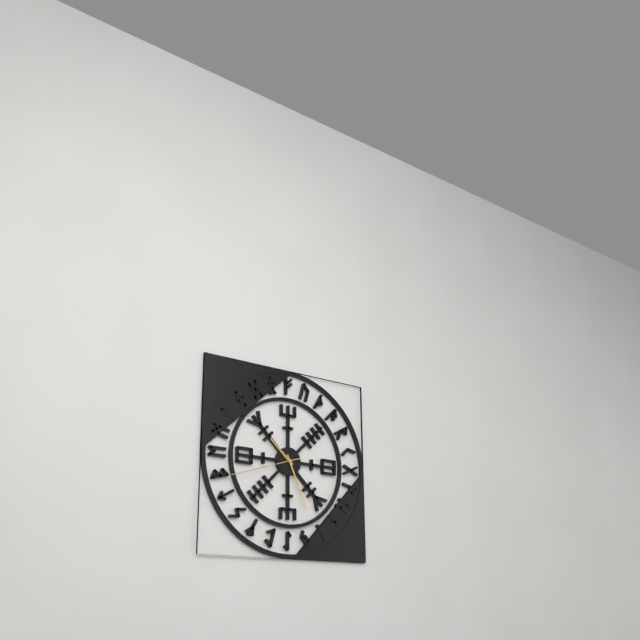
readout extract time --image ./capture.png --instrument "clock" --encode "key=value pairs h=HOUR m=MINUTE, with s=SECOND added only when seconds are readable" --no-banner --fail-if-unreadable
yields h=10 m=26 s=42
